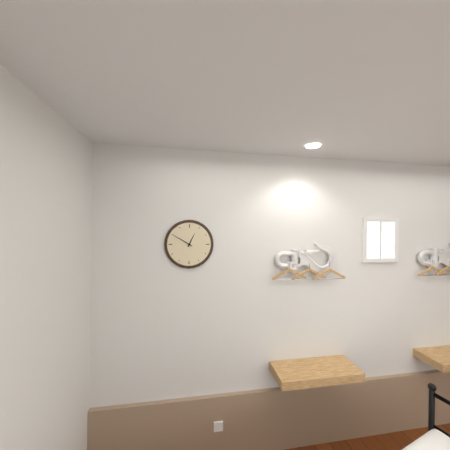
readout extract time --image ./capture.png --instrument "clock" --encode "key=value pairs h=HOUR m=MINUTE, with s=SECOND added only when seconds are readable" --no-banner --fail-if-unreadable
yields h=12 m=50
